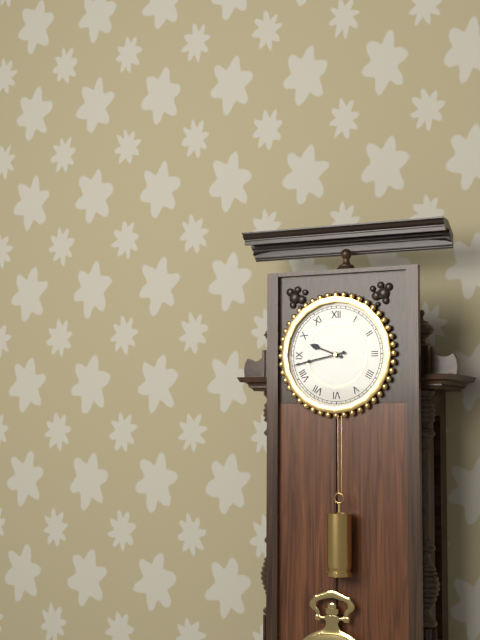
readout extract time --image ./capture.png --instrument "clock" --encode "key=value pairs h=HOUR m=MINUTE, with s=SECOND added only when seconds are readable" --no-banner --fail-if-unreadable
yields h=9 m=43
